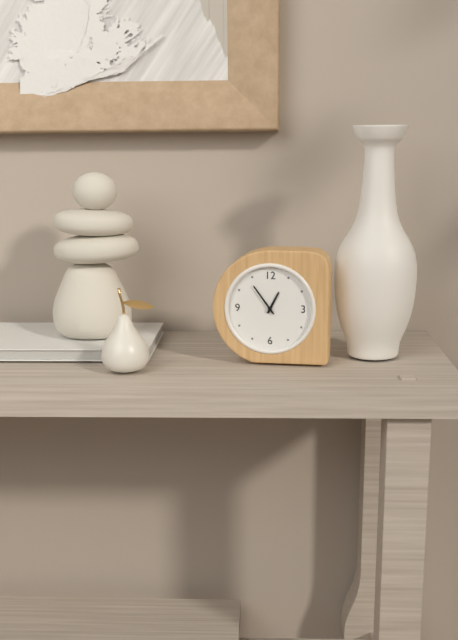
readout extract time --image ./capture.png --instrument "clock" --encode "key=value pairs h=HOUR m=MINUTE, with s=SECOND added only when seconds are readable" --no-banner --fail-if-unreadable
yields h=12 m=54
